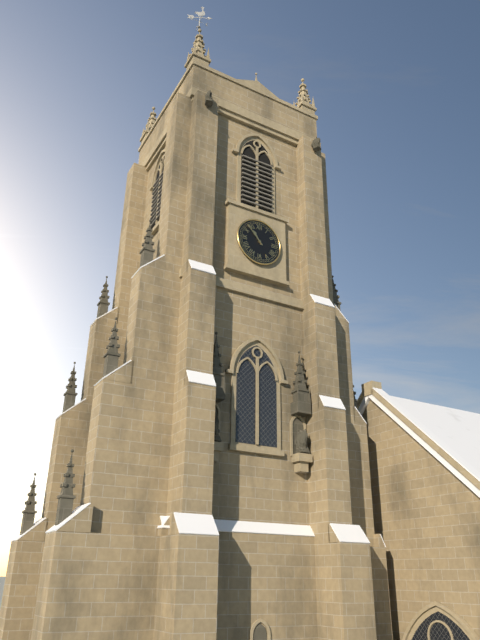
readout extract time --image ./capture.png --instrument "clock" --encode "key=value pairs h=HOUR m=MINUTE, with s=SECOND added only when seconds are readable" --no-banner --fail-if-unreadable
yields h=10 m=53
